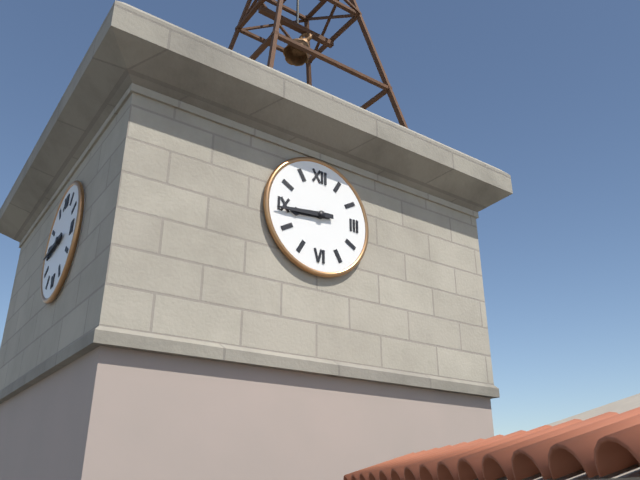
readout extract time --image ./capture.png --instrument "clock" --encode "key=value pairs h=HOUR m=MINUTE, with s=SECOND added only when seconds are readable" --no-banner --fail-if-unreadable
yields h=8 m=44
